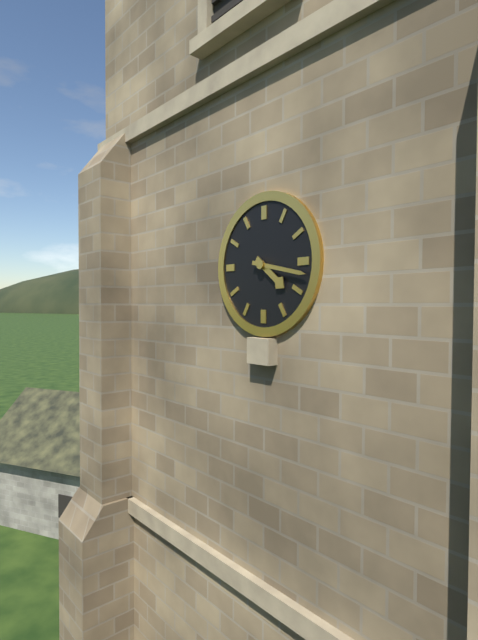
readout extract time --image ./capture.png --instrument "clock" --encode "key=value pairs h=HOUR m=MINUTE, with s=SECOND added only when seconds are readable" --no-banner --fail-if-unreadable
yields h=4 m=17
